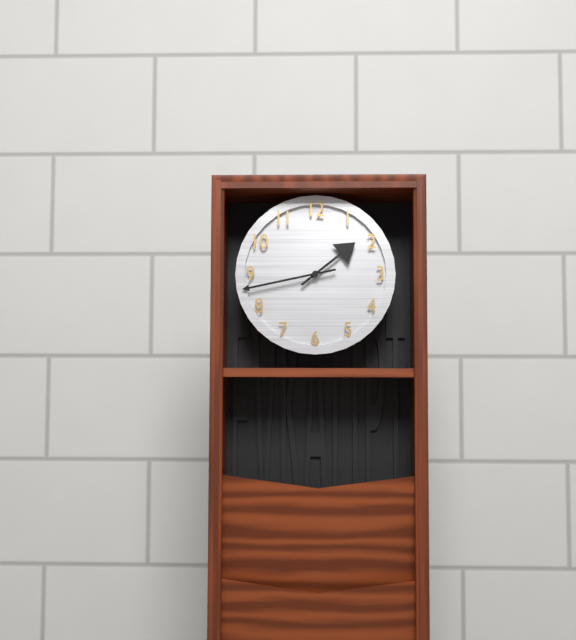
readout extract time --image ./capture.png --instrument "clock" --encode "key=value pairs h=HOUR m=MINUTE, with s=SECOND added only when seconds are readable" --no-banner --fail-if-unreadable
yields h=1 m=43
